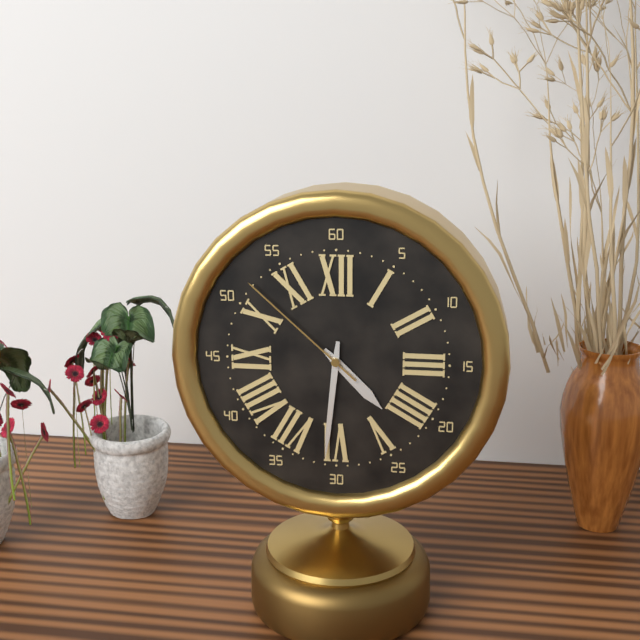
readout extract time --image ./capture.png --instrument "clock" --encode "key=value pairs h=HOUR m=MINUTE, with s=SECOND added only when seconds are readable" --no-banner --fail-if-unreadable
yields h=4 m=31 s=52
